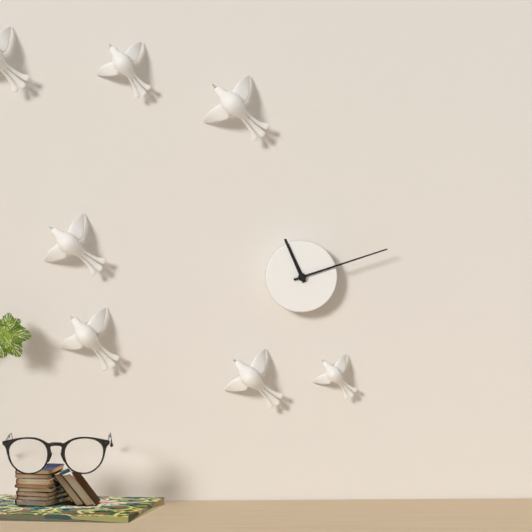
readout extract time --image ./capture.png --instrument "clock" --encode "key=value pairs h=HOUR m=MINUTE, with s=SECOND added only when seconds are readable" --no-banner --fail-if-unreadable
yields h=11 m=12
